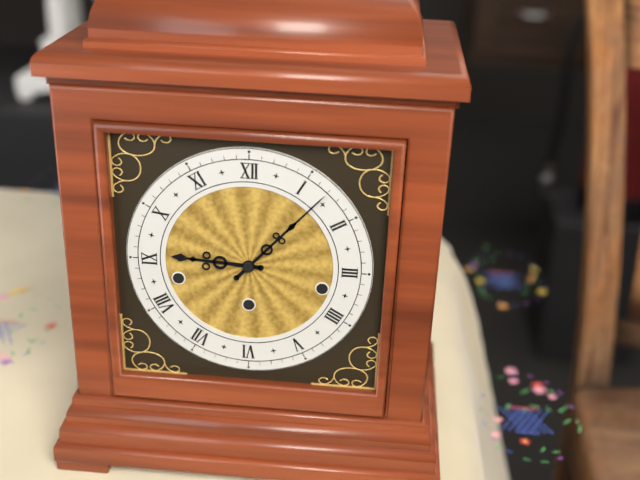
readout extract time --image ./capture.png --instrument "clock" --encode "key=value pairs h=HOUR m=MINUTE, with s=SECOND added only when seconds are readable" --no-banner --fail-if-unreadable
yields h=9 m=7
